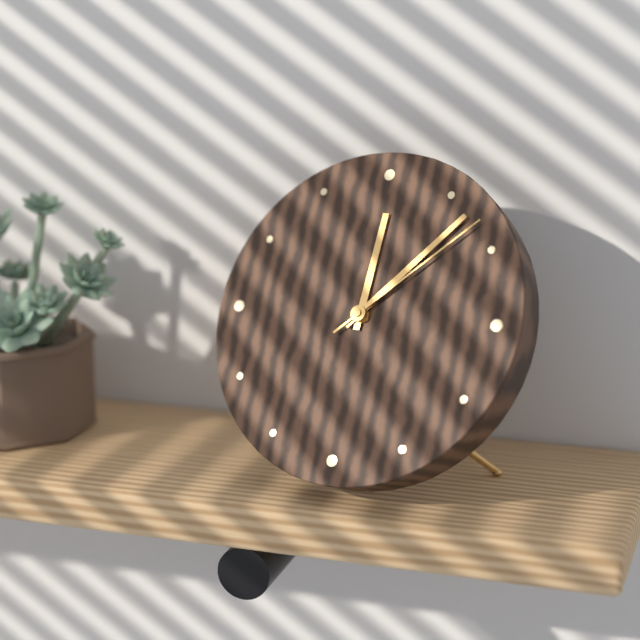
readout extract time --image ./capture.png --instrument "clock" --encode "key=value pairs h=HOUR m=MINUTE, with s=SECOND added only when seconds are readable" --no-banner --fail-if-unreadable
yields h=12 m=7 s=8
